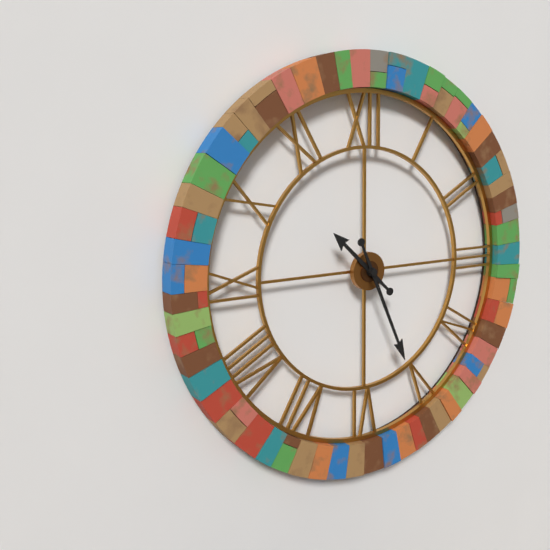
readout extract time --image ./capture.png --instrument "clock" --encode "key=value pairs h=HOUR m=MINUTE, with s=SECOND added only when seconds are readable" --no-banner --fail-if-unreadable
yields h=10 m=26
